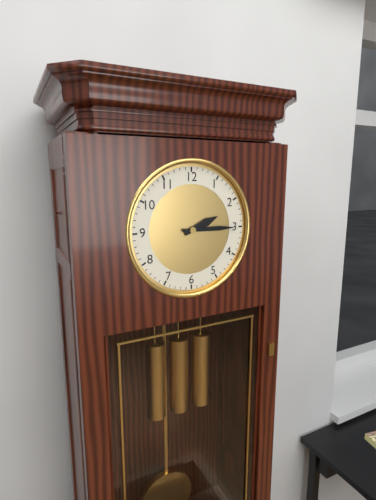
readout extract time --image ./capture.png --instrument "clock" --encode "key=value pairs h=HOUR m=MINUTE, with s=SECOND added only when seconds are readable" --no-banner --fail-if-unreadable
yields h=2 m=15
